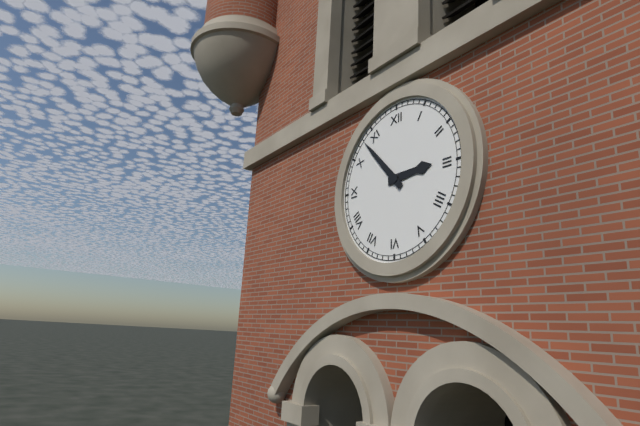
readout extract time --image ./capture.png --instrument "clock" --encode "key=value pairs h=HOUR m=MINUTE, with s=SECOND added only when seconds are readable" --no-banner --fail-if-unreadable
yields h=2 m=53
